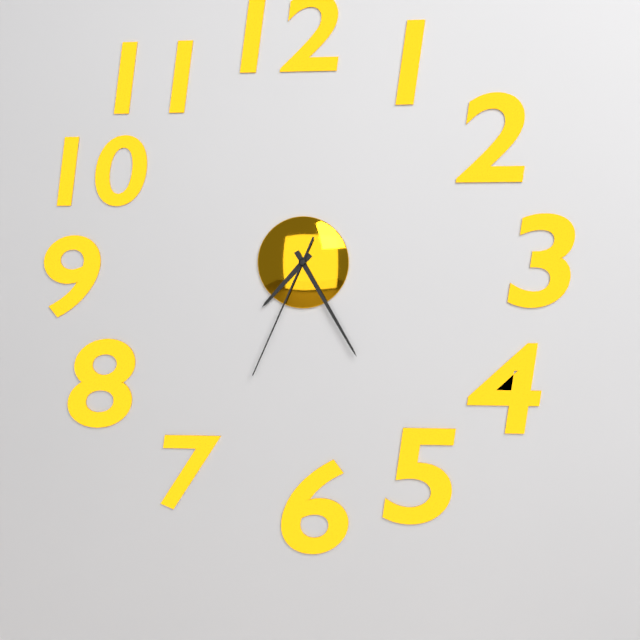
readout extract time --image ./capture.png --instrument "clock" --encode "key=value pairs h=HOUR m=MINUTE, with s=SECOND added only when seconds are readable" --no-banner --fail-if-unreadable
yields h=7 m=25 s=34
